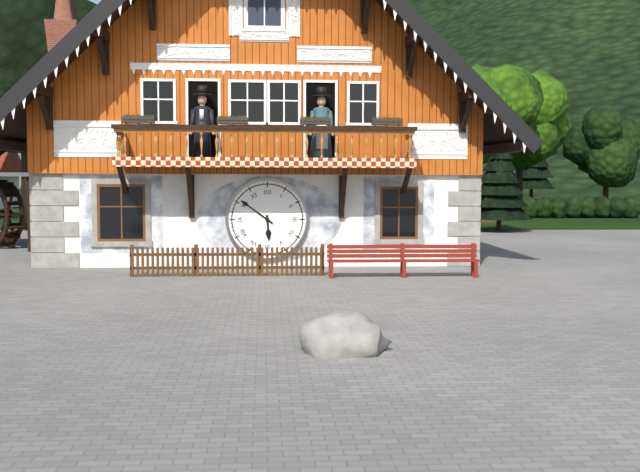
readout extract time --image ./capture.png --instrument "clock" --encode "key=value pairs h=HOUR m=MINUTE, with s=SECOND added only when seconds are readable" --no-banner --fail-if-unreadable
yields h=5 m=51
